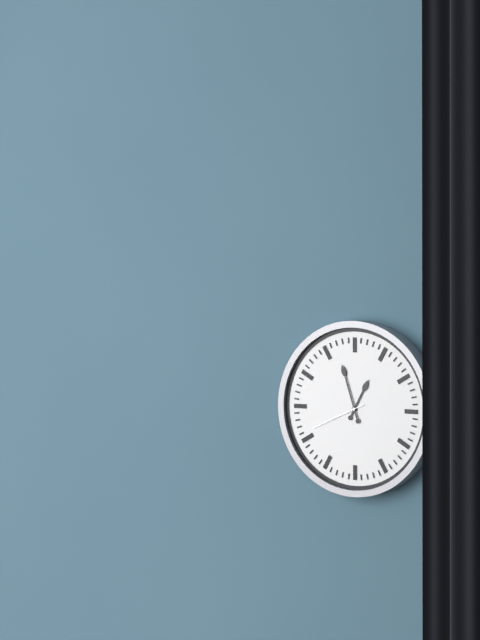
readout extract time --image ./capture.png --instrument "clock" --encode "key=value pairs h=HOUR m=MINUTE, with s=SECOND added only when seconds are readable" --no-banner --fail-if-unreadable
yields h=12 m=57 s=41
